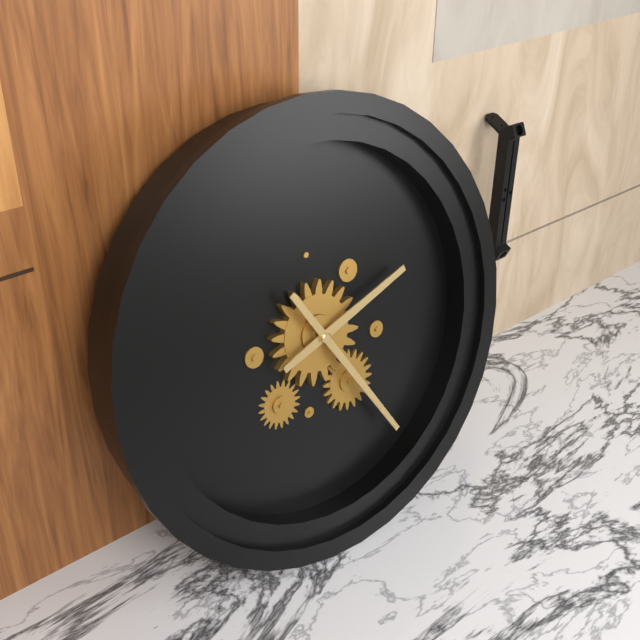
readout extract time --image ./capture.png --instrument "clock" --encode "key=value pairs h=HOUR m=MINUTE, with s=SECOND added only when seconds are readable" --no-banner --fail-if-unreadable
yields h=2 m=25
